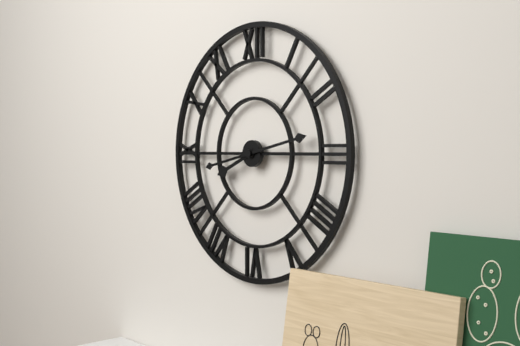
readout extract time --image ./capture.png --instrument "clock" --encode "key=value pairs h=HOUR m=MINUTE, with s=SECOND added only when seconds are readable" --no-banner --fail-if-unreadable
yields h=8 m=13
